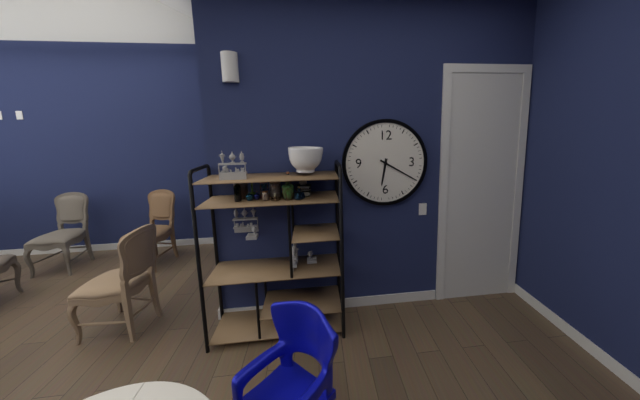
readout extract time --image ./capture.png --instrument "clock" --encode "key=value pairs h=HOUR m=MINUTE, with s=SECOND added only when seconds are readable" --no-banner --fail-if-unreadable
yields h=6 m=20
